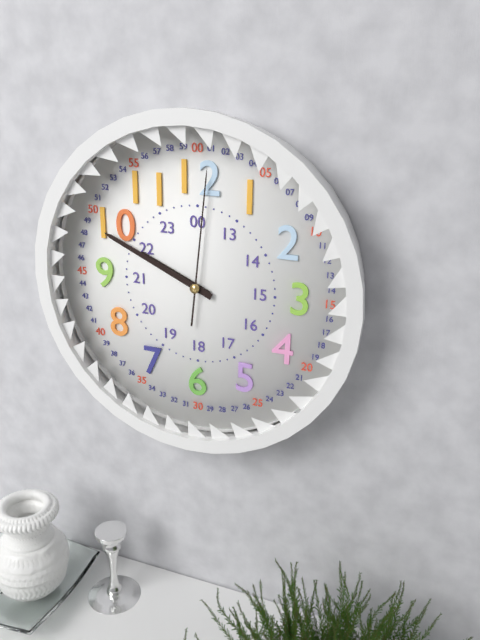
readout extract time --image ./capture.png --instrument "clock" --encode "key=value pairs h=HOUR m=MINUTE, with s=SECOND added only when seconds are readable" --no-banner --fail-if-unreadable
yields h=9 m=49 s=1
